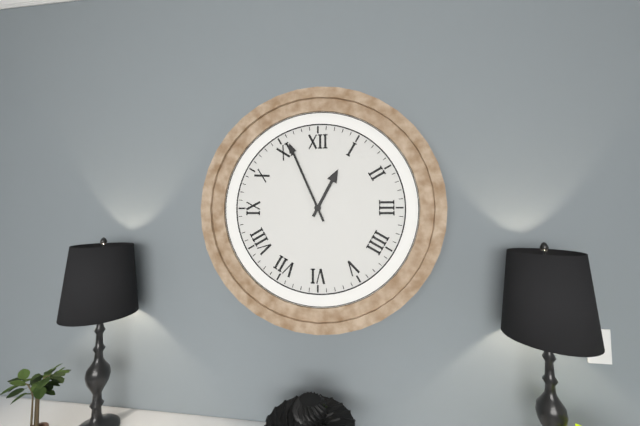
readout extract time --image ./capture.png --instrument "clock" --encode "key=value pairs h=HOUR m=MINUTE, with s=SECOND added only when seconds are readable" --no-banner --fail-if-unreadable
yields h=12 m=56
